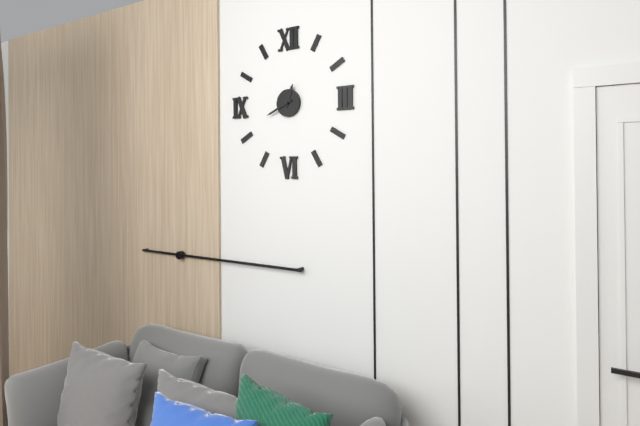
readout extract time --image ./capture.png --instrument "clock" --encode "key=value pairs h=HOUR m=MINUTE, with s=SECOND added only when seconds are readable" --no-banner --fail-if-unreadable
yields h=12 m=41
